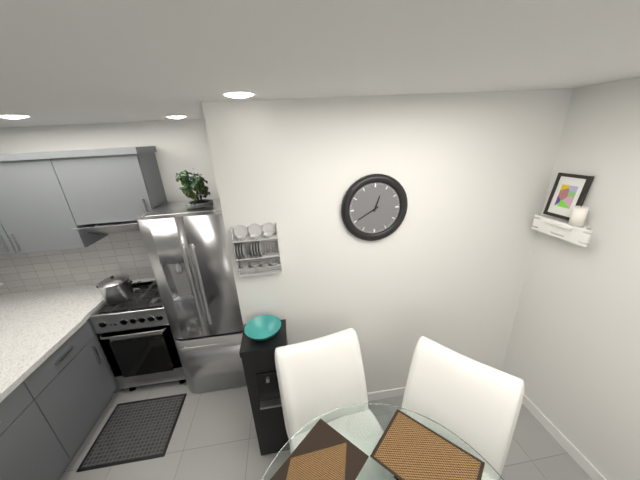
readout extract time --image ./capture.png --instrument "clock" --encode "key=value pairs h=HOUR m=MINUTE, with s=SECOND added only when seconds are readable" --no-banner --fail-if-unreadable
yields h=12 m=40
